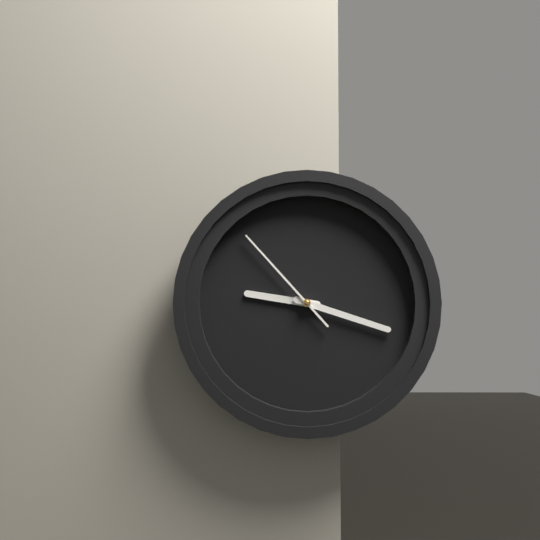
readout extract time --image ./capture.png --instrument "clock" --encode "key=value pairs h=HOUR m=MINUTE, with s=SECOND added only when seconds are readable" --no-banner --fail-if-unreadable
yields h=9 m=18 s=53
